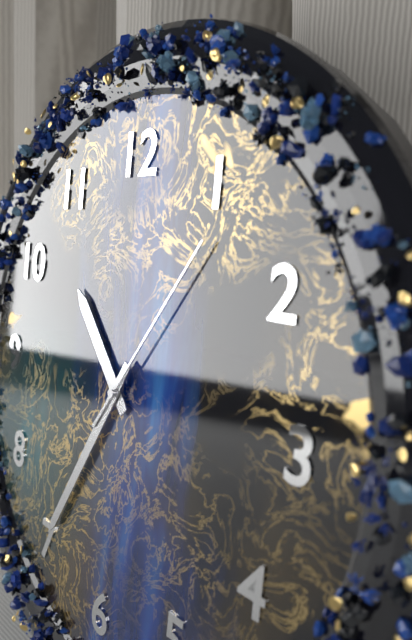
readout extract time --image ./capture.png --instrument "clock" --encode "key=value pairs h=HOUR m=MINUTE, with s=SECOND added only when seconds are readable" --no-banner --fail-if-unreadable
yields h=10 m=35 s=6
